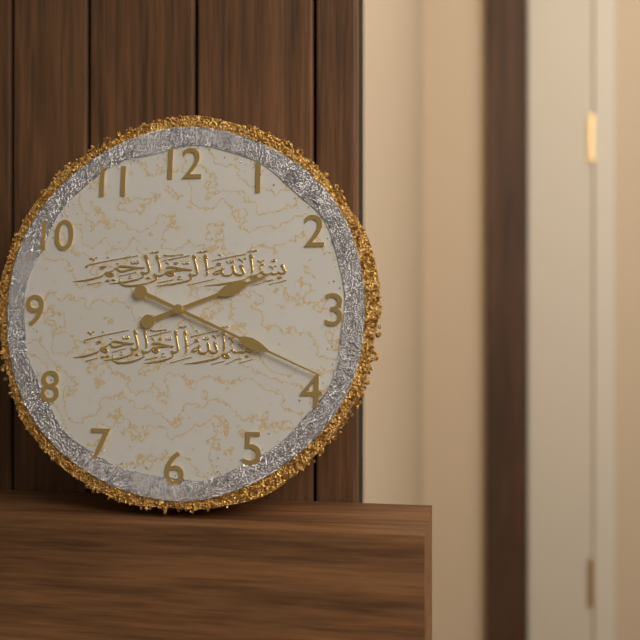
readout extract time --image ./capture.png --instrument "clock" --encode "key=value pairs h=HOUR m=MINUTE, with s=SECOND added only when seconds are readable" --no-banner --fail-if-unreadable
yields h=2 m=19
